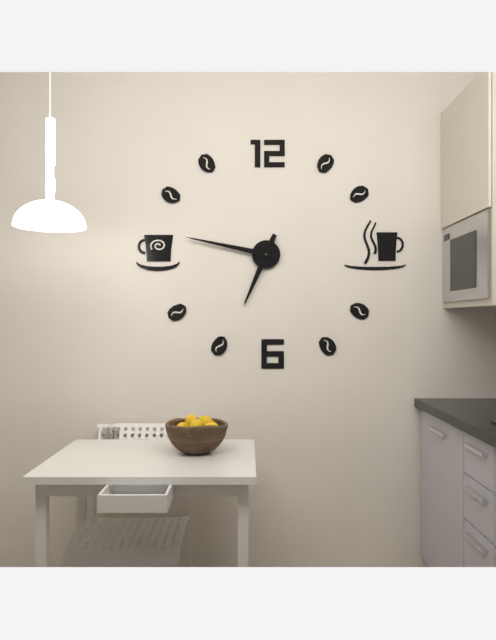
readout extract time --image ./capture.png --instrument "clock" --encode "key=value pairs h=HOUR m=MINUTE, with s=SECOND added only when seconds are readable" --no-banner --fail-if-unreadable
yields h=6 m=47
